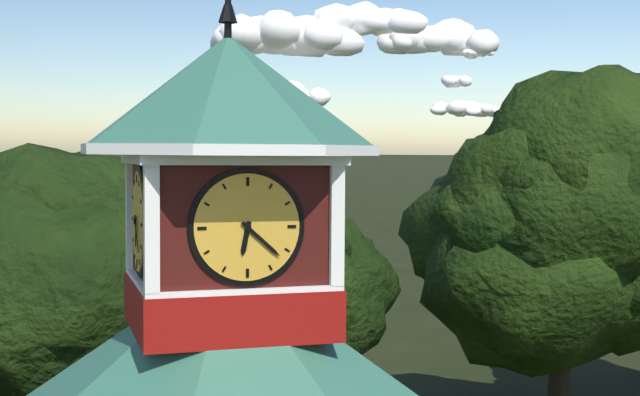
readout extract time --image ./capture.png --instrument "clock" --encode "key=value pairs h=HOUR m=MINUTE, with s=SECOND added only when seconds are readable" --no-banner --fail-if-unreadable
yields h=6 m=22
